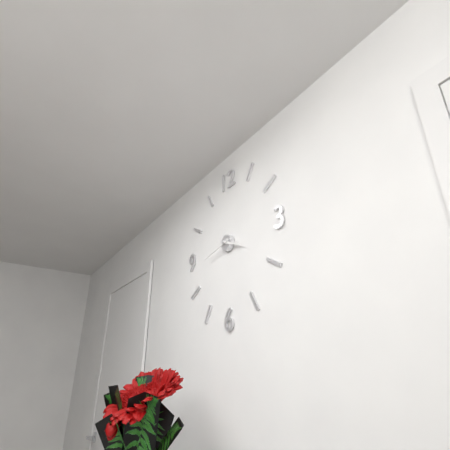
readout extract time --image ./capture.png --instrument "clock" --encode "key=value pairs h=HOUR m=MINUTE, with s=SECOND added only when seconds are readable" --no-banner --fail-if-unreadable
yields h=3 m=43
